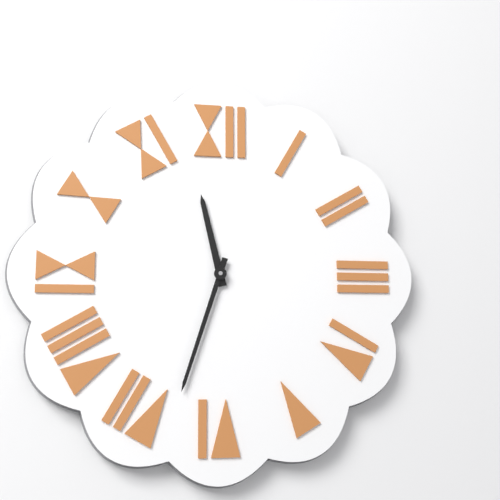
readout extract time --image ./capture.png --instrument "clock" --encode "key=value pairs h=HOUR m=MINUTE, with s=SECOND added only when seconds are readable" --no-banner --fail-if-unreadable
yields h=11 m=33
